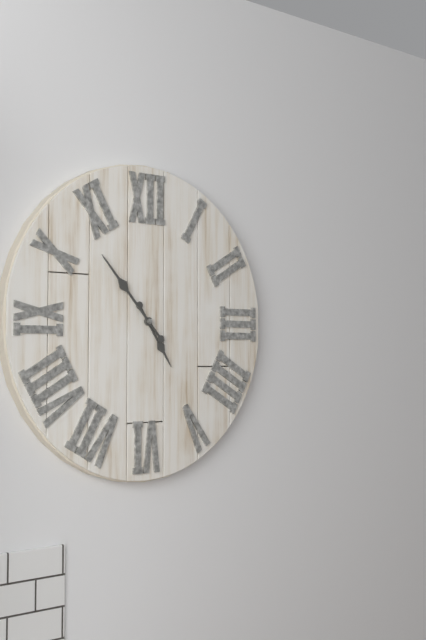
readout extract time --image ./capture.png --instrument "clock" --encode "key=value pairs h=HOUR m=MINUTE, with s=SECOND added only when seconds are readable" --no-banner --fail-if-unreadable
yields h=4 m=53
